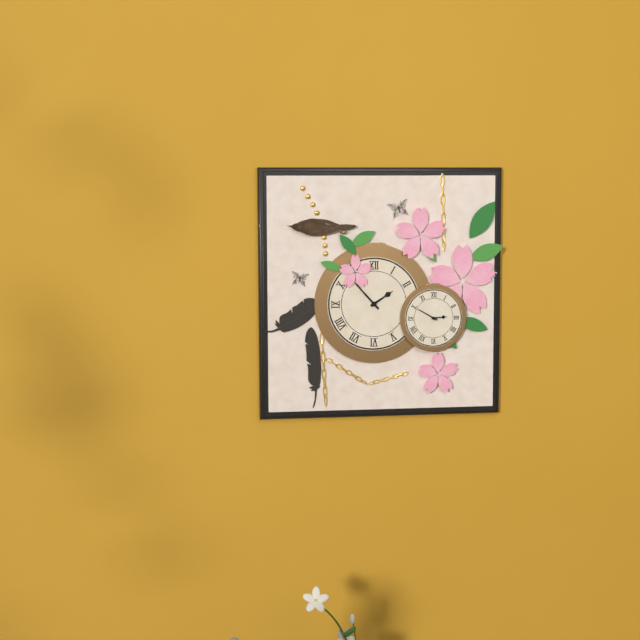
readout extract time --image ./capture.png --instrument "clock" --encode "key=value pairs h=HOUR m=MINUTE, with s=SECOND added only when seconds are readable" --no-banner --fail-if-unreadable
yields h=1 m=53
